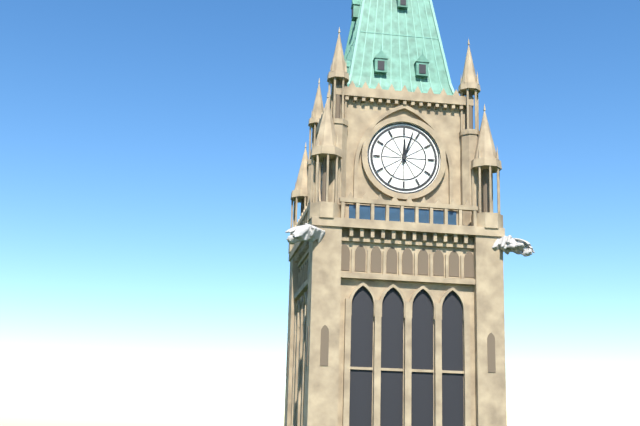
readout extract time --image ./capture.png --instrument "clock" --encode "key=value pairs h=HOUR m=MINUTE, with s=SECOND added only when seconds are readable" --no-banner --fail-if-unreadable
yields h=12 m=3
